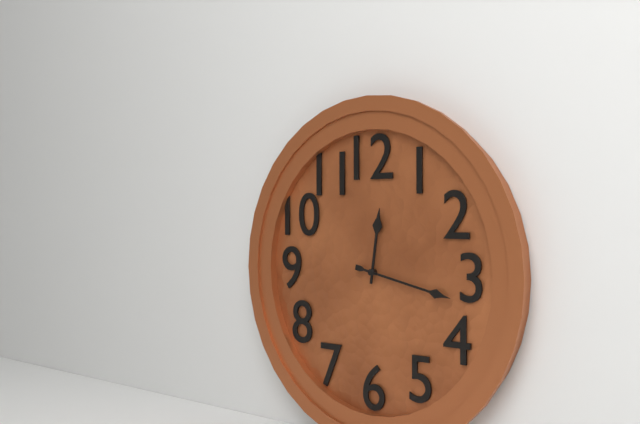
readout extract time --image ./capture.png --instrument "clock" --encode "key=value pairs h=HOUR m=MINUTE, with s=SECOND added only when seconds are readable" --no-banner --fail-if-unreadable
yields h=12 m=17
